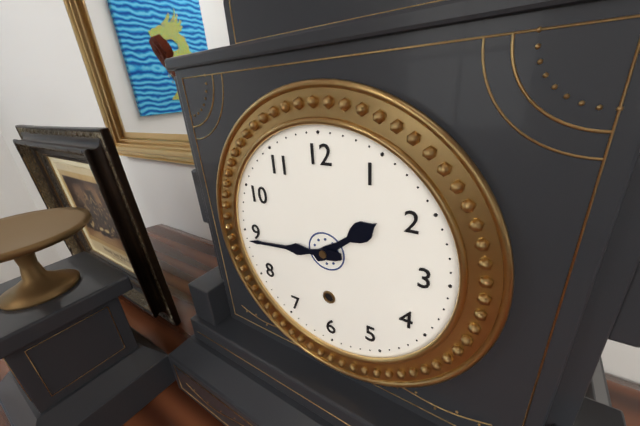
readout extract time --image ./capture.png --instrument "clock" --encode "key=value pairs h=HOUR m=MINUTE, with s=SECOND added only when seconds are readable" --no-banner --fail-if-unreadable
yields h=1 m=44
